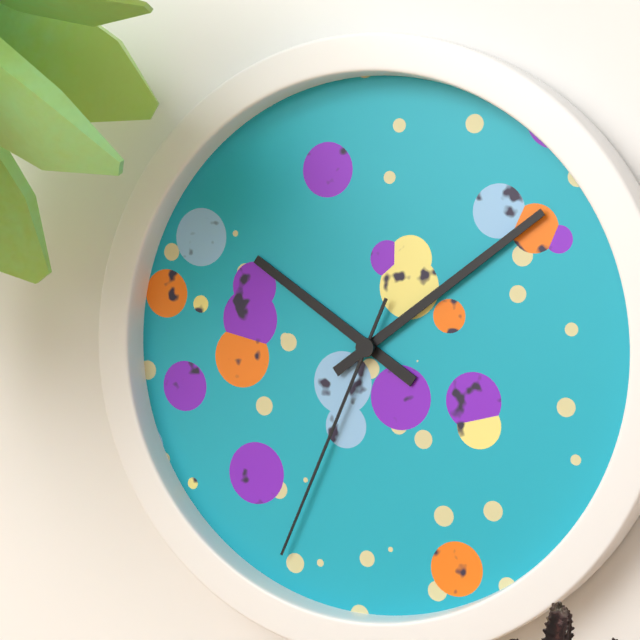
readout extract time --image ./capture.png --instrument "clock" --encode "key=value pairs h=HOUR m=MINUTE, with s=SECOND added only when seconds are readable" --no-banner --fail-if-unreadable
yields h=10 m=9 s=34
